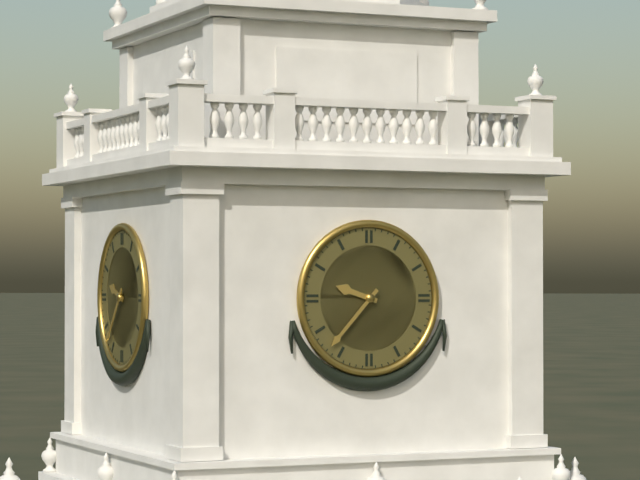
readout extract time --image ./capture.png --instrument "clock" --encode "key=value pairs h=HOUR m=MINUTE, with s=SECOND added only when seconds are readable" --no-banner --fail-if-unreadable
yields h=9 m=37
